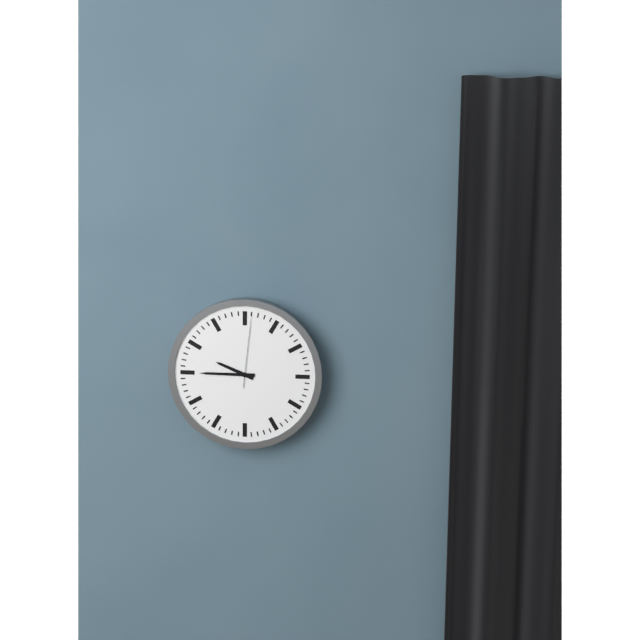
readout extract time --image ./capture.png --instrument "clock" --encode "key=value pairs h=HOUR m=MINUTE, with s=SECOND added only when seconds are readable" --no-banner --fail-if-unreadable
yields h=9 m=45 s=1
